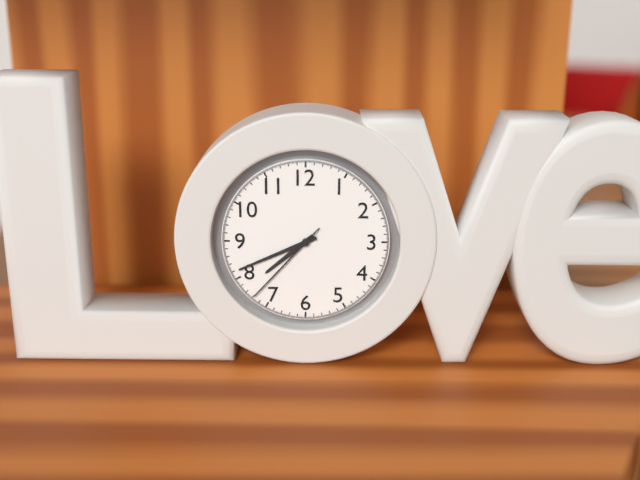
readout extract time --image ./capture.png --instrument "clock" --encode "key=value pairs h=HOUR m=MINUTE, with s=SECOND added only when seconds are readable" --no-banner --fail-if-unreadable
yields h=7 m=41 s=37
